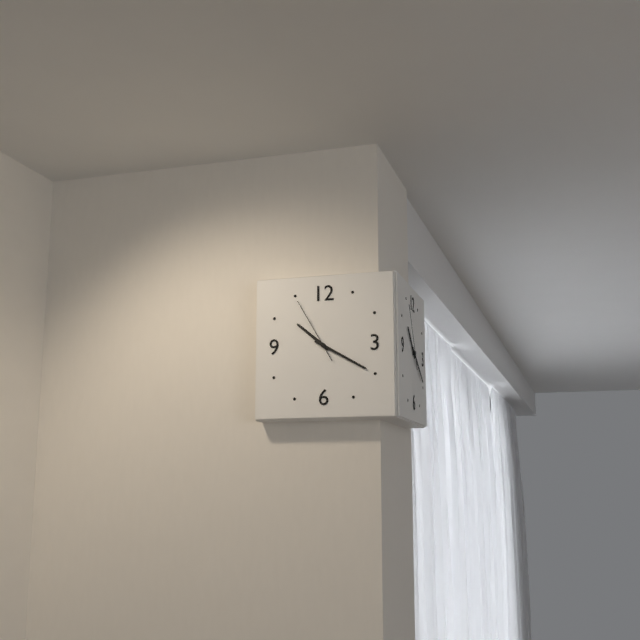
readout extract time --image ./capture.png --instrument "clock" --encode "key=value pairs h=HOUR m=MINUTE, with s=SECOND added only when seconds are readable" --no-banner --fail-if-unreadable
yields h=10 m=20 s=55
